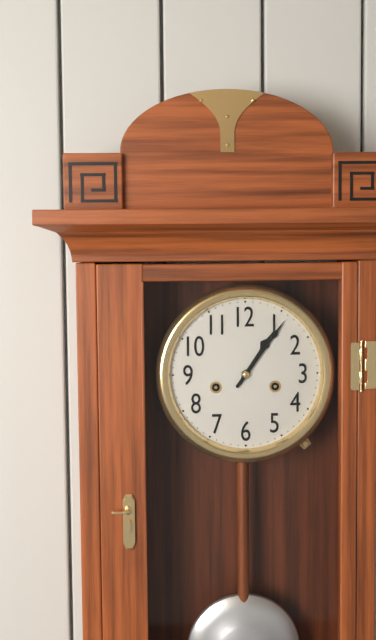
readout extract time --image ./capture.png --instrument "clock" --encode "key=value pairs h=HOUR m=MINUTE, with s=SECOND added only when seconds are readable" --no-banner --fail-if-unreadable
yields h=1 m=6
